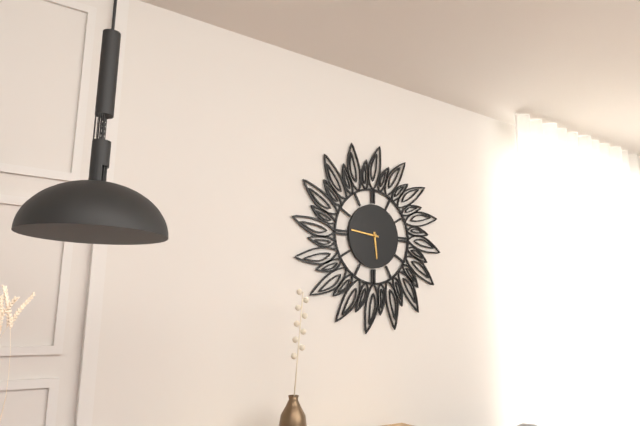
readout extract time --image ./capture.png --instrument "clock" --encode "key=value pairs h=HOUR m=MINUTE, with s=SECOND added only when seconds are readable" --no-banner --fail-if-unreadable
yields h=5 m=46
